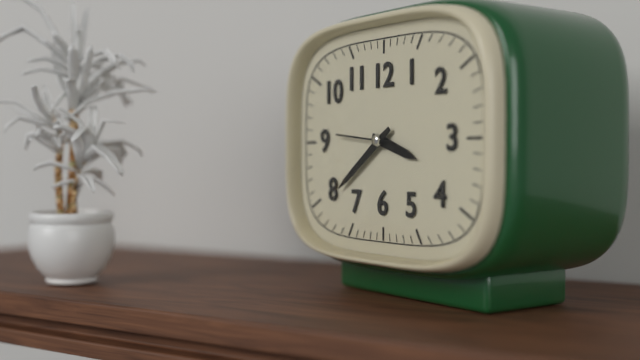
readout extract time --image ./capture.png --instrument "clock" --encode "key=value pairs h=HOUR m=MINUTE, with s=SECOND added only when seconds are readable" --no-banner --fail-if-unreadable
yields h=3 m=39 s=46
